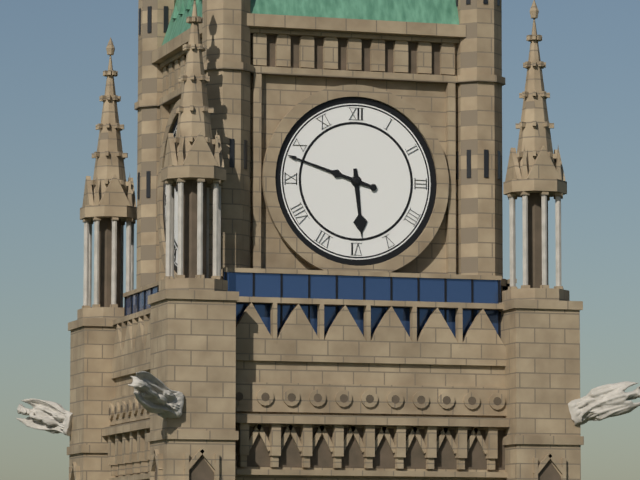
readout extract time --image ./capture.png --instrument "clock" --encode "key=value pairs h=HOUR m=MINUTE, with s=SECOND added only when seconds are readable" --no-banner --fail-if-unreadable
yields h=5 m=48
